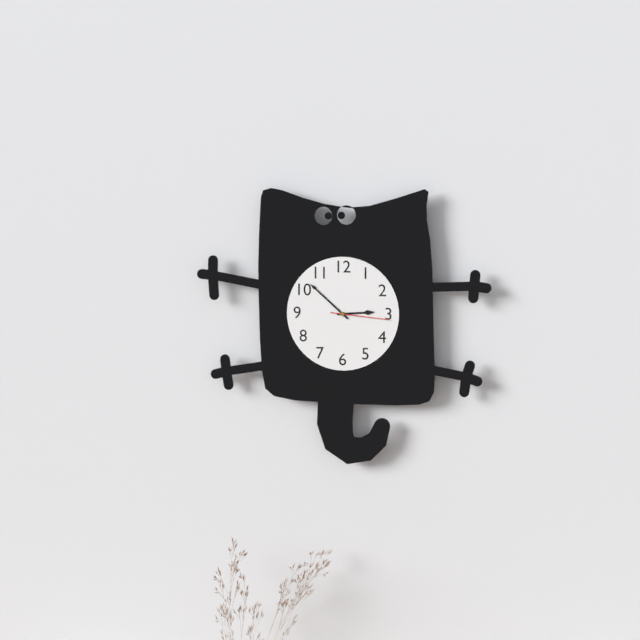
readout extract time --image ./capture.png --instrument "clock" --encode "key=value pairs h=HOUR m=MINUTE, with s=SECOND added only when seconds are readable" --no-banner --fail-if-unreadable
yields h=2 m=52 s=16
